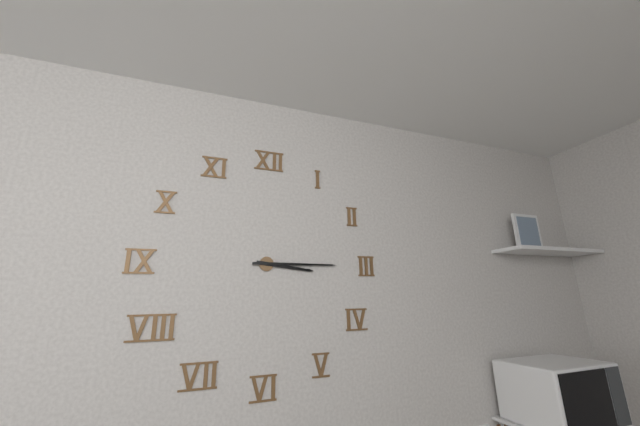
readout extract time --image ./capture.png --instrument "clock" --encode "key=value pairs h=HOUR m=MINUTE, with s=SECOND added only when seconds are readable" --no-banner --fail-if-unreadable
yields h=3 m=15
